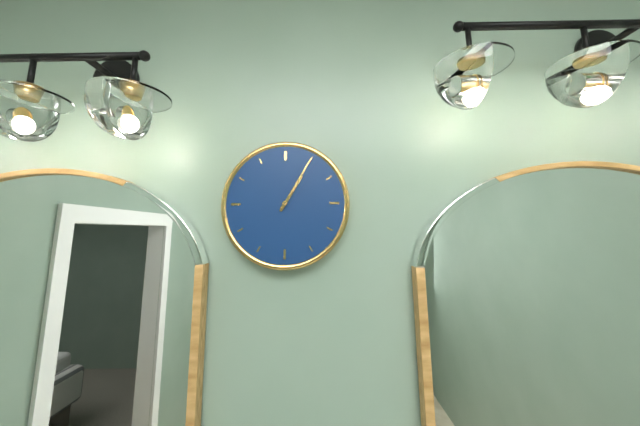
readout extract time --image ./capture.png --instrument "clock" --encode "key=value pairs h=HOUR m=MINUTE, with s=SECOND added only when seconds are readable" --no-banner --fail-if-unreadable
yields h=1 m=5
